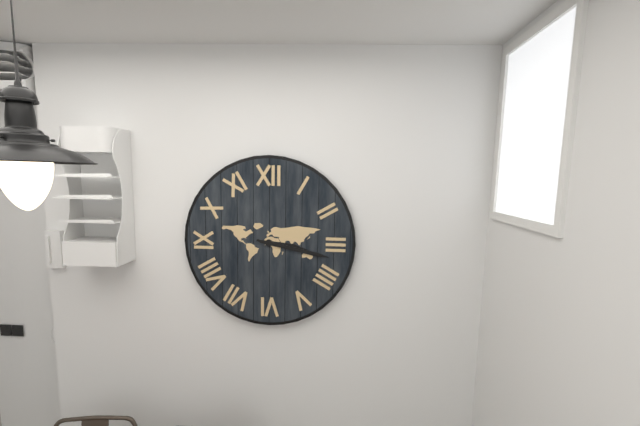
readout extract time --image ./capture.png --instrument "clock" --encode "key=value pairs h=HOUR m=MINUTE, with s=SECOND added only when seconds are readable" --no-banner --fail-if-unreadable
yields h=3 m=17
